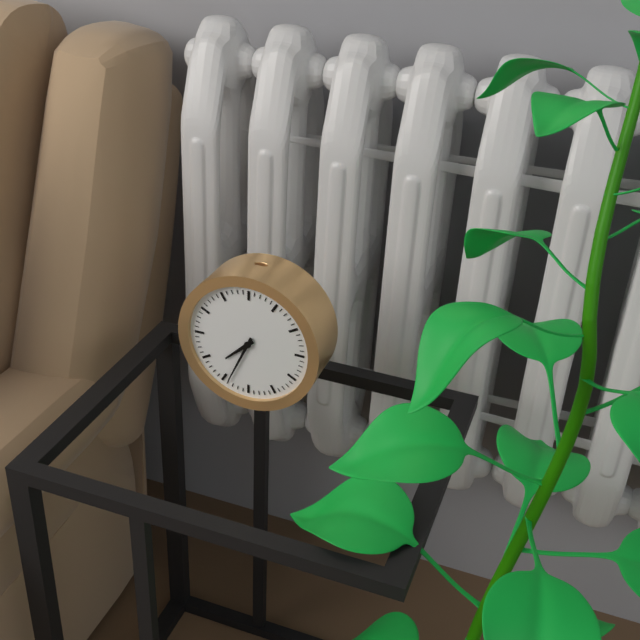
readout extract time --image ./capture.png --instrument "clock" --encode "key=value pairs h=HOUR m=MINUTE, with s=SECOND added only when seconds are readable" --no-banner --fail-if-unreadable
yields h=7 m=34
